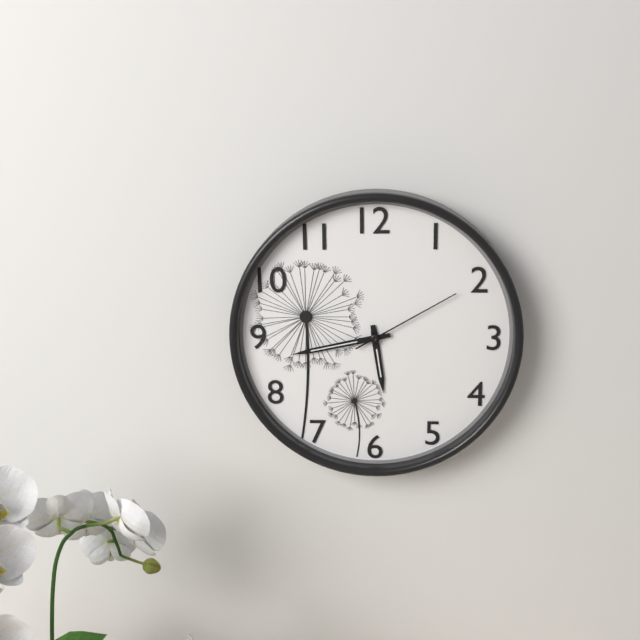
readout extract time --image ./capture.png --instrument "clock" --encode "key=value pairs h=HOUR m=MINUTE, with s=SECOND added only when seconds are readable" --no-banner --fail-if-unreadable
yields h=5 m=43 s=10
